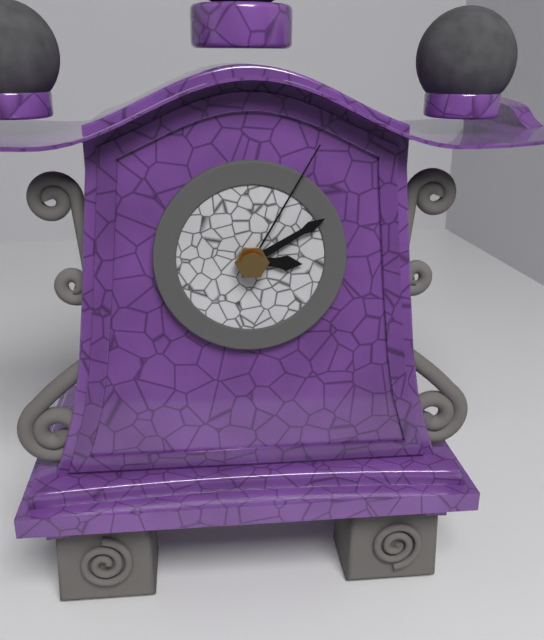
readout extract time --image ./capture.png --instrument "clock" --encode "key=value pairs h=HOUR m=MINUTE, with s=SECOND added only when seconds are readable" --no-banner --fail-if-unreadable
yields h=3 m=10 s=5
